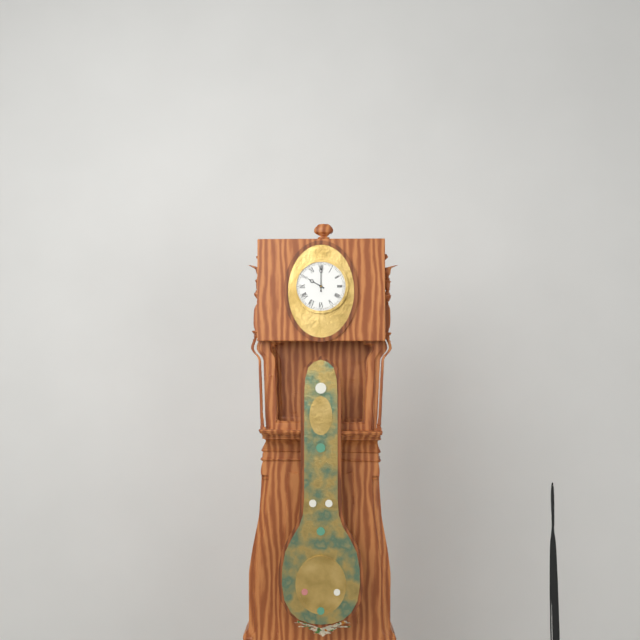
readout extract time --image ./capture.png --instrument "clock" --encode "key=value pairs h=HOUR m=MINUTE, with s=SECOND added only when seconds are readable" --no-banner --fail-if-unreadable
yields h=10 m=0
